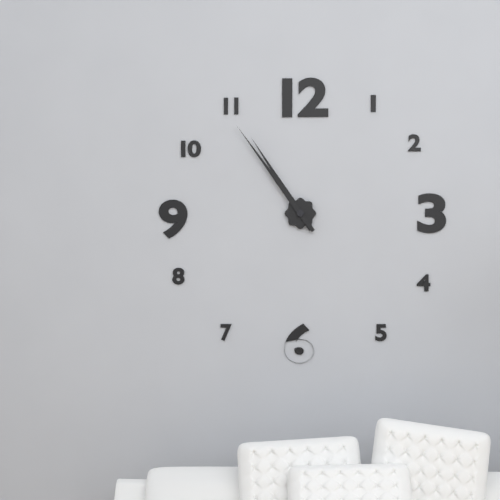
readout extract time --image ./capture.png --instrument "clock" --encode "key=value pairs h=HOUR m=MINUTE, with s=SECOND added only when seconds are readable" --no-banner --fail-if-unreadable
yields h=10 m=54
